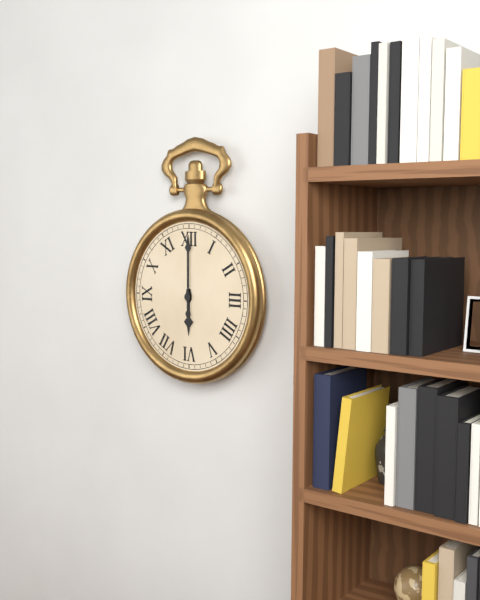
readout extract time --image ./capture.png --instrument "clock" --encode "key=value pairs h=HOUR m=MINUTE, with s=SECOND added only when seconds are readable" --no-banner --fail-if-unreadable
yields h=6 m=0
